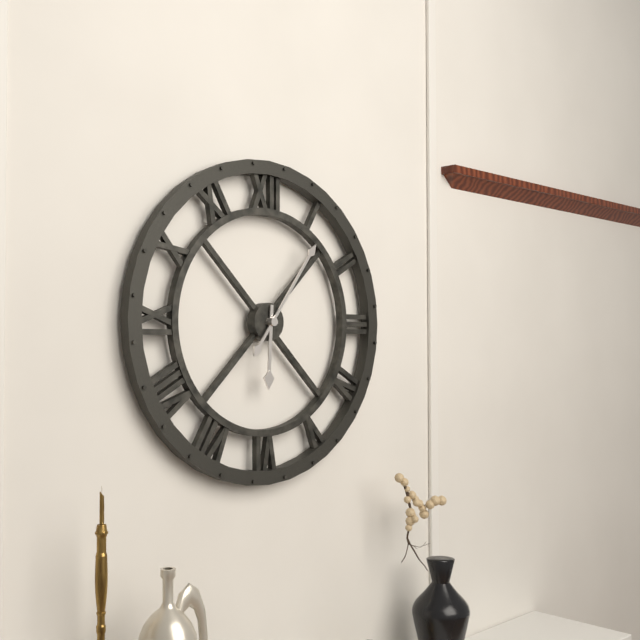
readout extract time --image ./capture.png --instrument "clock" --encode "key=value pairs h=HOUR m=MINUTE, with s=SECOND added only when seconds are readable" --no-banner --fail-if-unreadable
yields h=6 m=6
